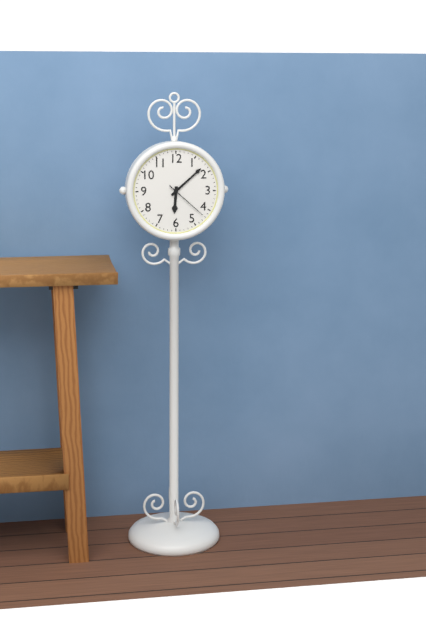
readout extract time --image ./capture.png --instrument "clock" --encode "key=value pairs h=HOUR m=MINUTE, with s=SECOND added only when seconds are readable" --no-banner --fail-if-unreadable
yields h=6 m=8
